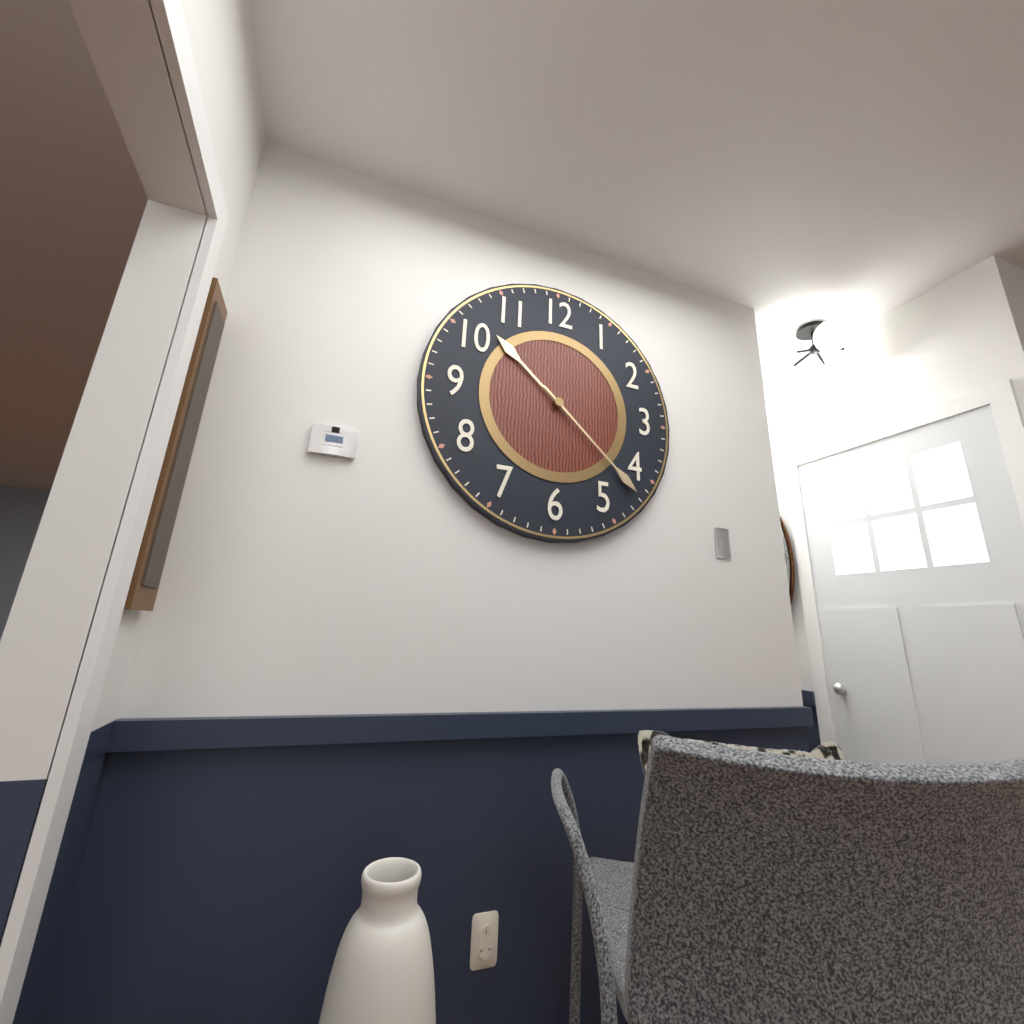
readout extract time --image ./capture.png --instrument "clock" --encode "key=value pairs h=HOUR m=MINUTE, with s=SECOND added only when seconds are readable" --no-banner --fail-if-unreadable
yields h=10 m=22
